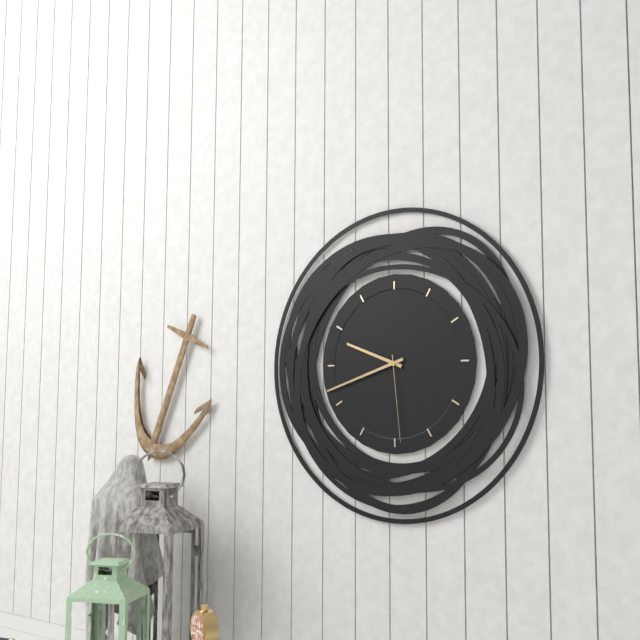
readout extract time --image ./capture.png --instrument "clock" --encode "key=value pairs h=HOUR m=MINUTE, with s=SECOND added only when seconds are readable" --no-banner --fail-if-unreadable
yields h=9 m=42 s=29
